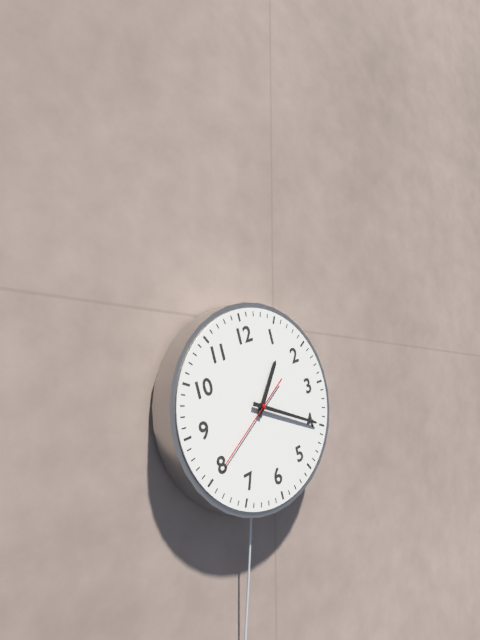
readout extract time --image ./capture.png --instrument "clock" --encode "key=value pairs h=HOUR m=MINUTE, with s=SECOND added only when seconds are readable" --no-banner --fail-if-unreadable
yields h=1 m=20 s=40
